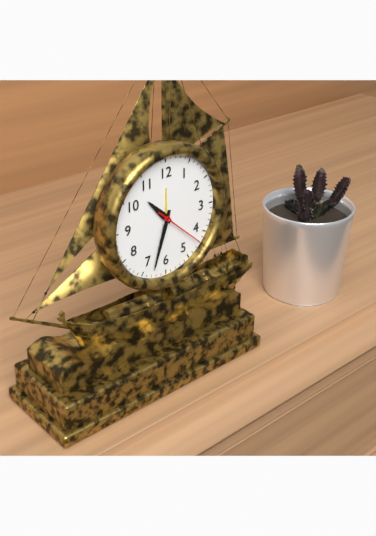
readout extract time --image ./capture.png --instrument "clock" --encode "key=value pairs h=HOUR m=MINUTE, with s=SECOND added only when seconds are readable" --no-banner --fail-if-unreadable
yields h=10 m=33
